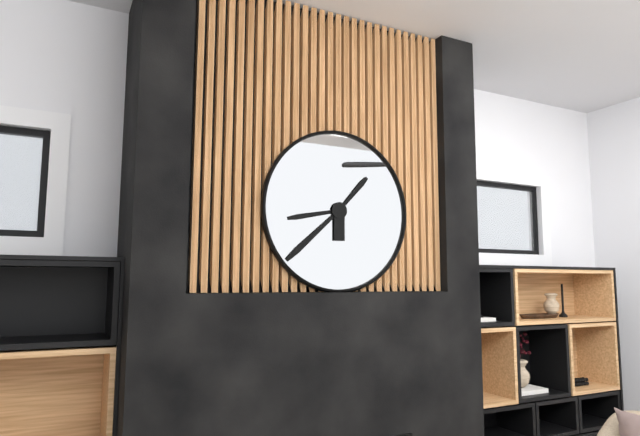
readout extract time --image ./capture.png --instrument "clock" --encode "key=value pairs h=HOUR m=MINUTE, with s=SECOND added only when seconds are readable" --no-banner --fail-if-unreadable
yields h=8 m=38 s=7
